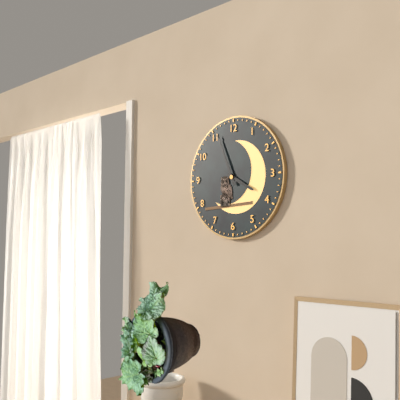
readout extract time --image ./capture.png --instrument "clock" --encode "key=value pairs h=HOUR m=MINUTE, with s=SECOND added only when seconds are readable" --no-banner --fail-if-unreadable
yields h=3 m=56
